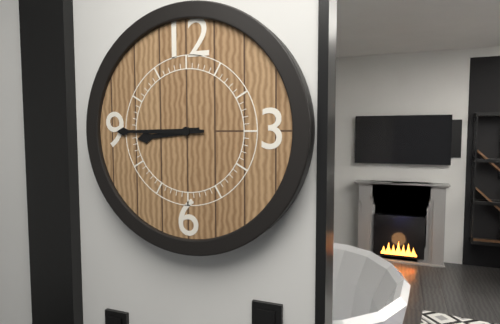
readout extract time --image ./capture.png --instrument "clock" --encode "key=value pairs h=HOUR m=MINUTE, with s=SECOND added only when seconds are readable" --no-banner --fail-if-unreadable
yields h=8 m=45
